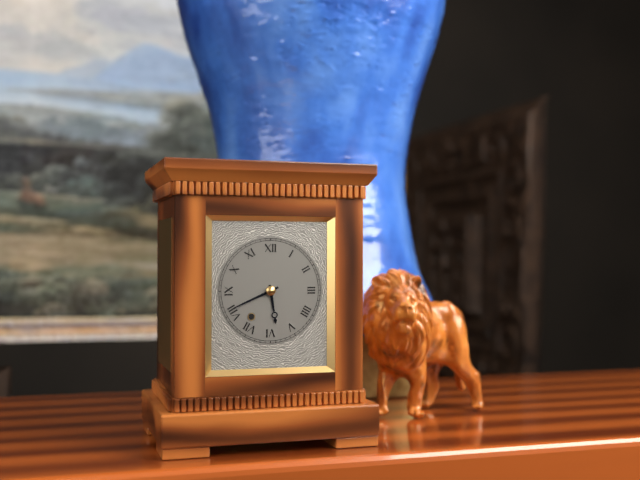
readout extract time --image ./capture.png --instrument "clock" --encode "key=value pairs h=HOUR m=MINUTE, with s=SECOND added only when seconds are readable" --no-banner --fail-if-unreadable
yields h=5 m=41
